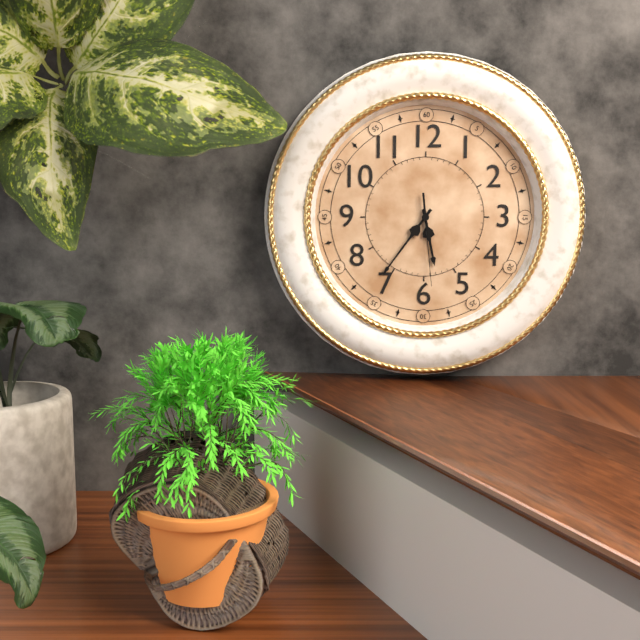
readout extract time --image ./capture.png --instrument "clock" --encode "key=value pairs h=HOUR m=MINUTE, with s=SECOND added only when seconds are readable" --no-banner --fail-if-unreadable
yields h=5 m=36 s=29
